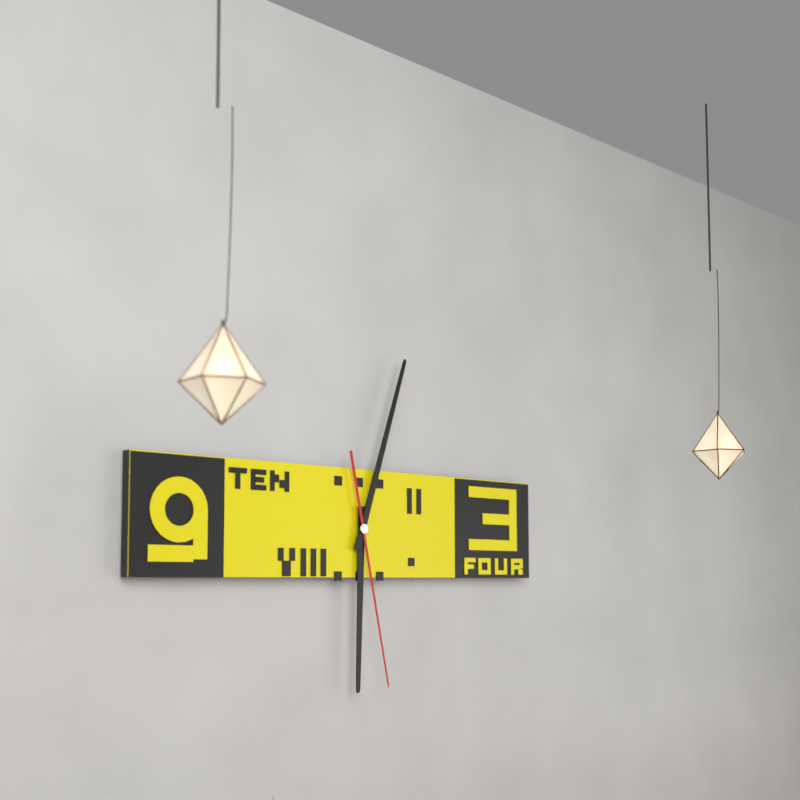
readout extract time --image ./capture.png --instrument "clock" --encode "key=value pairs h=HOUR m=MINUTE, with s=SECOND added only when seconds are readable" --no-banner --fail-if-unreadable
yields h=6 m=3 s=28
